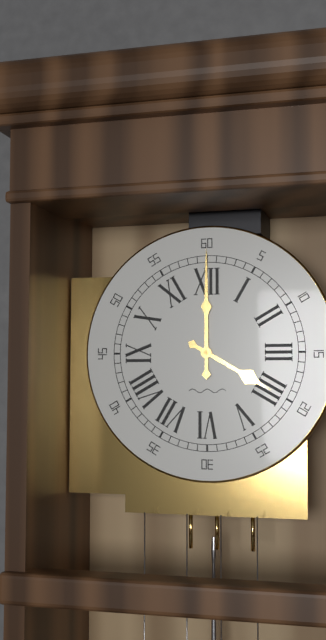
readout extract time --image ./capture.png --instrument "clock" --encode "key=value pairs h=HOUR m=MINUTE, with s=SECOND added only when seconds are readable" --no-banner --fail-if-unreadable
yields h=4 m=0
